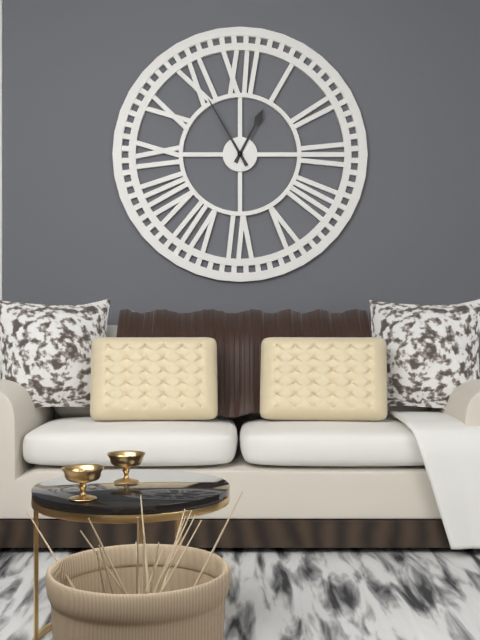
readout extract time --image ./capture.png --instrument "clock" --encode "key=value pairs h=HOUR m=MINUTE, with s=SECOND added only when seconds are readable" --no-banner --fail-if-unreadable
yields h=12 m=55
